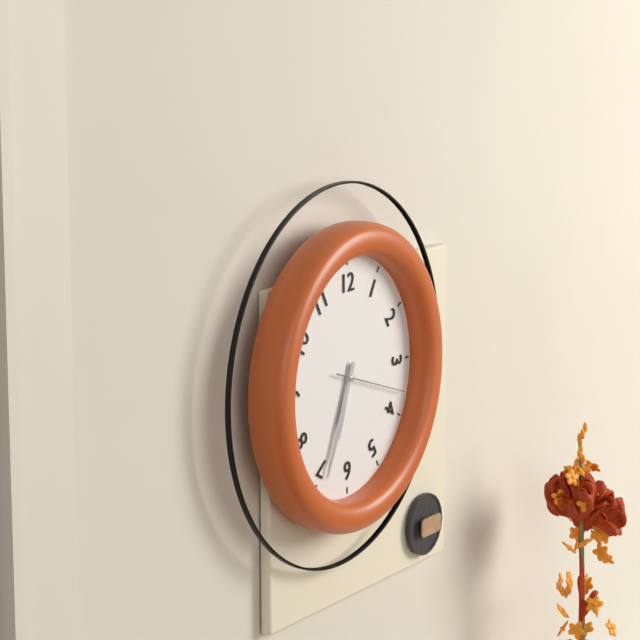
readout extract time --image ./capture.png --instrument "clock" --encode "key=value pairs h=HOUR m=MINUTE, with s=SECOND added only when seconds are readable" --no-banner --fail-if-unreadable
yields h=6 m=34 s=18
